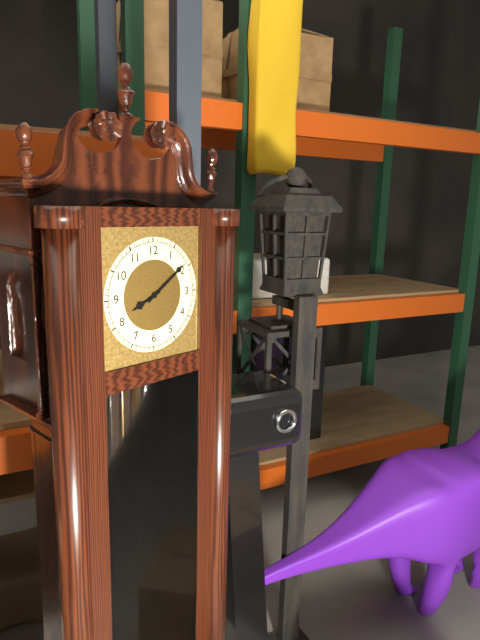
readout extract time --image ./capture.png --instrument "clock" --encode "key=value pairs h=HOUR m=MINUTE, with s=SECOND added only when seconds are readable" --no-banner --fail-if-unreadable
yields h=8 m=9
